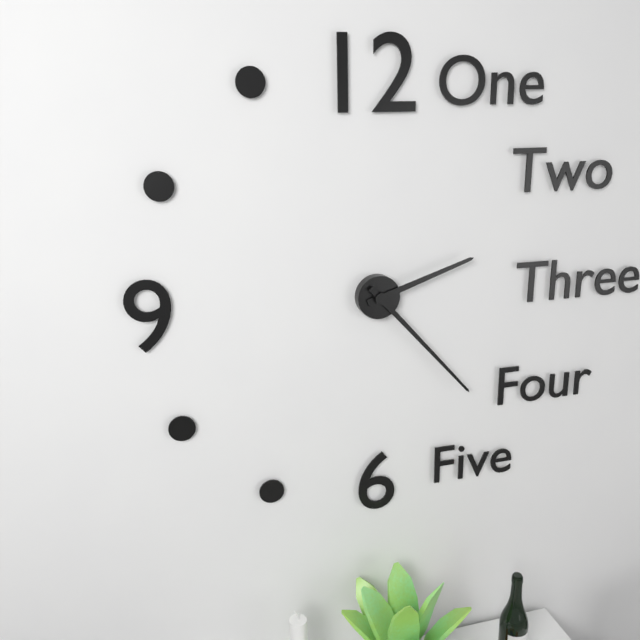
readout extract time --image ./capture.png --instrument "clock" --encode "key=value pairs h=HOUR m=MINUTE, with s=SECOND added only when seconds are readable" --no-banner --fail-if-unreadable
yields h=2 m=23
